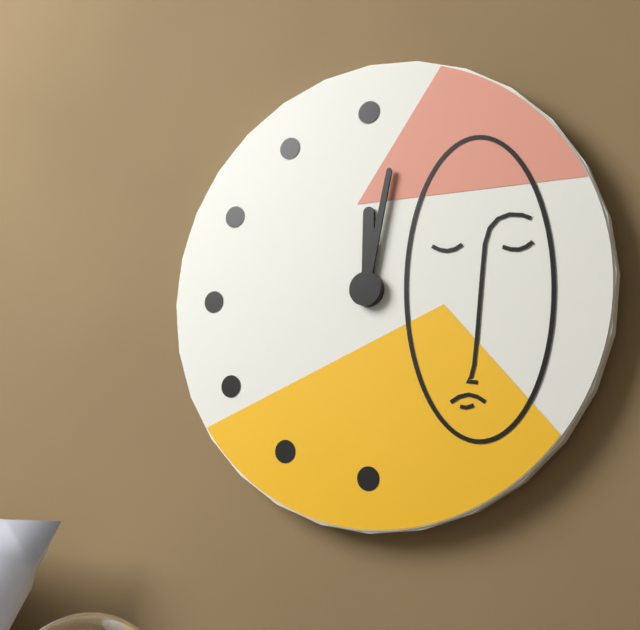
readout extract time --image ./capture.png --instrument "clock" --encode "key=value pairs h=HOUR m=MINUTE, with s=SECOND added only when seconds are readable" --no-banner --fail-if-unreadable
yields h=12 m=2
